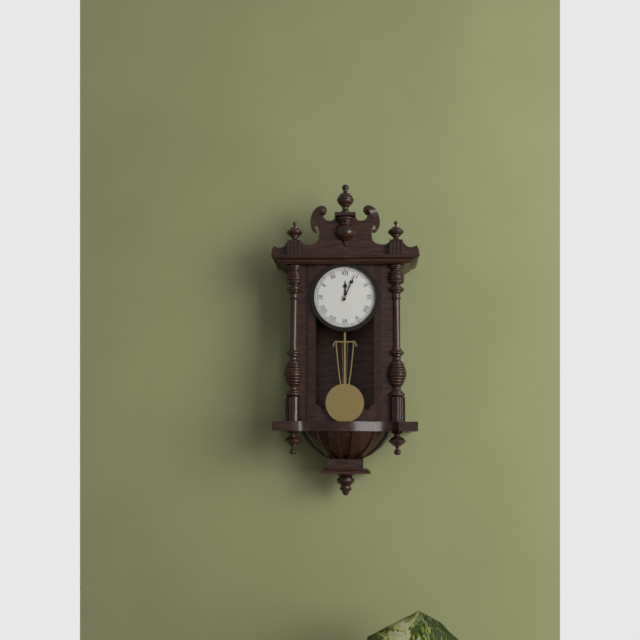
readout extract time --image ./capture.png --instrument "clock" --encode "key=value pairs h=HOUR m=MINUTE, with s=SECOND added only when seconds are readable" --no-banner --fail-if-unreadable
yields h=12 m=4
